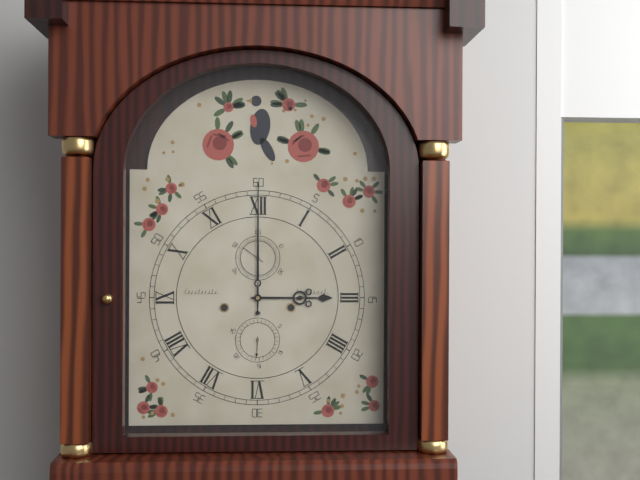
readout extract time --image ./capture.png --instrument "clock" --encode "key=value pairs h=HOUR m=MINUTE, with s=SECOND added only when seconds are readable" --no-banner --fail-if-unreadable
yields h=3 m=0
